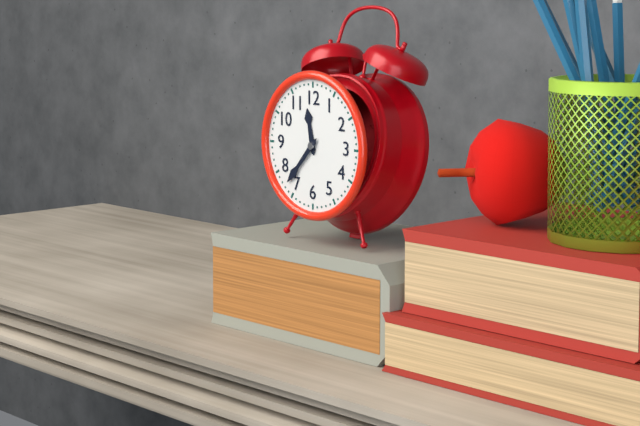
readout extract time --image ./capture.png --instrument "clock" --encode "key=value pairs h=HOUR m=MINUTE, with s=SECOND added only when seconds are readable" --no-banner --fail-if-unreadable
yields h=11 m=37
